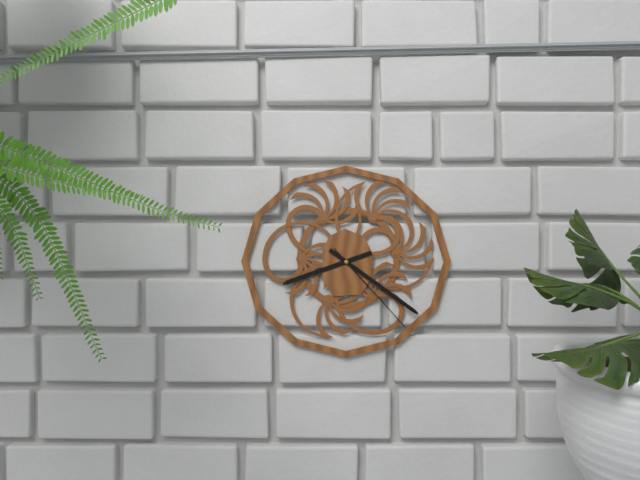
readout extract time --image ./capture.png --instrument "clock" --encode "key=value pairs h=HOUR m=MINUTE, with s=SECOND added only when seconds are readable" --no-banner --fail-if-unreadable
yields h=8 m=21 s=23
